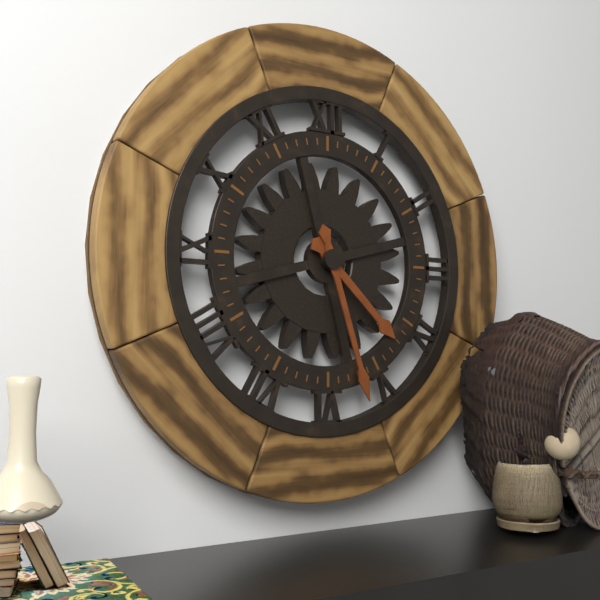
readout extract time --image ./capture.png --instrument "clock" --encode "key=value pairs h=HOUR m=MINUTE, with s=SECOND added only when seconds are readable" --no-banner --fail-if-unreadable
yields h=4 m=27
